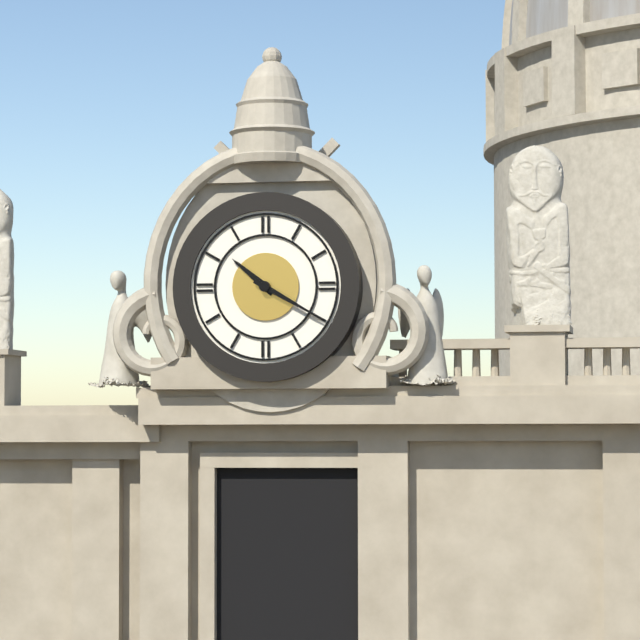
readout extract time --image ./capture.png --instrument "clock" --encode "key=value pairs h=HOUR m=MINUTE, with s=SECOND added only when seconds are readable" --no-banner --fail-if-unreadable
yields h=10 m=20
